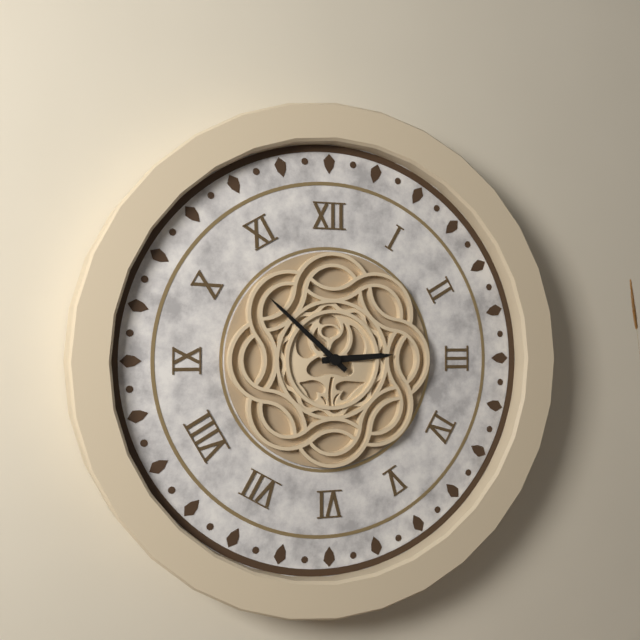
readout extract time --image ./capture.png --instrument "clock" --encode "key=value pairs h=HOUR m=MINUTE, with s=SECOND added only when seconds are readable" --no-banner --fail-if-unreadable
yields h=2 m=52
